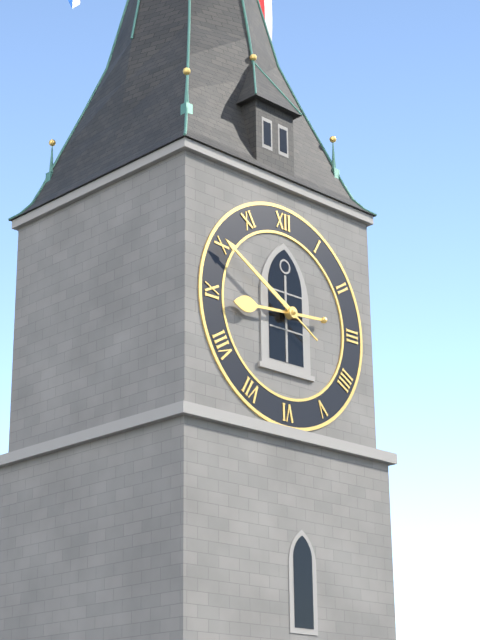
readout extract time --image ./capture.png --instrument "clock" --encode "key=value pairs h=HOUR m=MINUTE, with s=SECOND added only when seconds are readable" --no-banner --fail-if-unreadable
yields h=8 m=50
